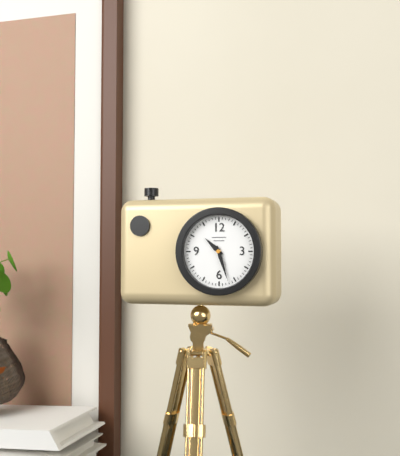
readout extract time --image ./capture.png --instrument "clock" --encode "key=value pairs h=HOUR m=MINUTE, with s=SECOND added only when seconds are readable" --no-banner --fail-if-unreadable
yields h=10 m=27
